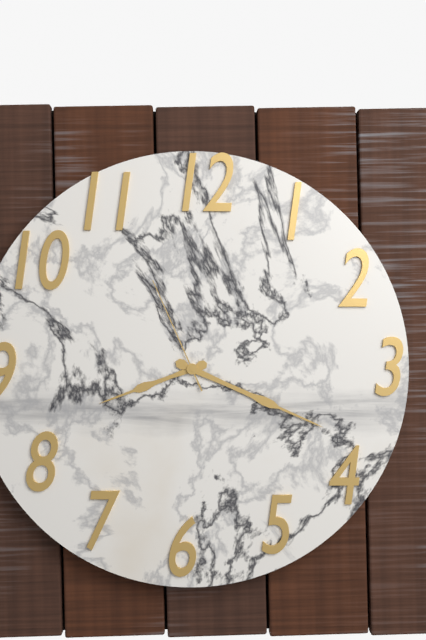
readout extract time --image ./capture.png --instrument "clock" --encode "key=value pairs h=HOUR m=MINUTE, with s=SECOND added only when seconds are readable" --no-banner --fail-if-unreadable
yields h=8 m=19 s=56
